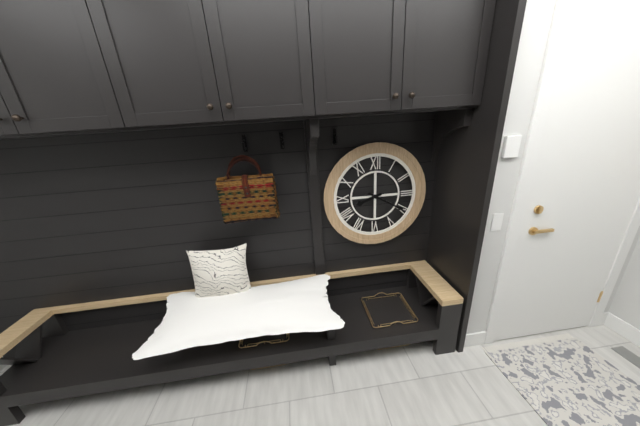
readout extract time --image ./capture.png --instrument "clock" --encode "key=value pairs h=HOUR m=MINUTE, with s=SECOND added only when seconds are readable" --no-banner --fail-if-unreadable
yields h=8 m=20
